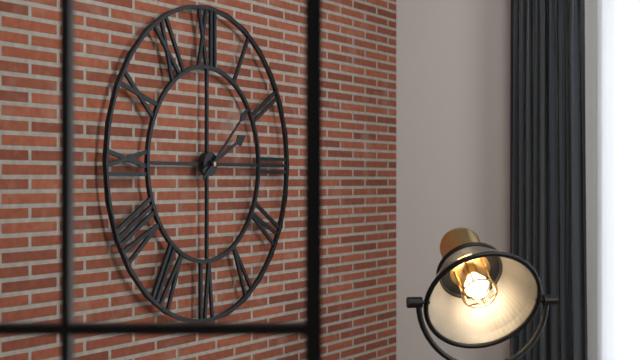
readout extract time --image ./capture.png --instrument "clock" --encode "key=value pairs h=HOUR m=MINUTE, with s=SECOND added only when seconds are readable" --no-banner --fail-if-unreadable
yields h=2 m=8
